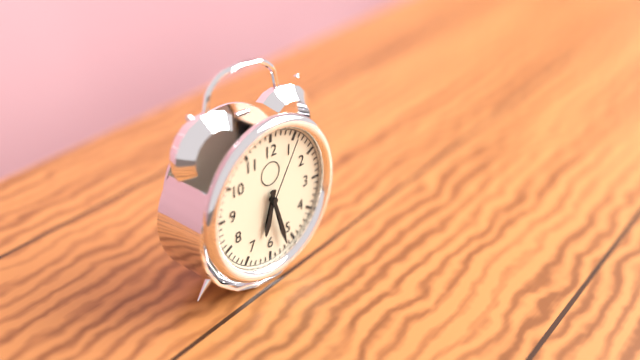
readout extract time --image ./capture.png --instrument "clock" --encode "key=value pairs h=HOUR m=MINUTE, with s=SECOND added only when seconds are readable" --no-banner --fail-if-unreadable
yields h=6 m=27 s=5
